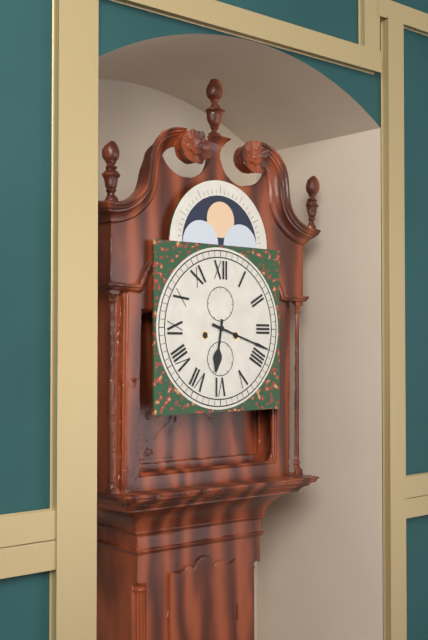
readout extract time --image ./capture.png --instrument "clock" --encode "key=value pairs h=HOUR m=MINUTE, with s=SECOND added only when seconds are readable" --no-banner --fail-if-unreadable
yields h=6 m=18
